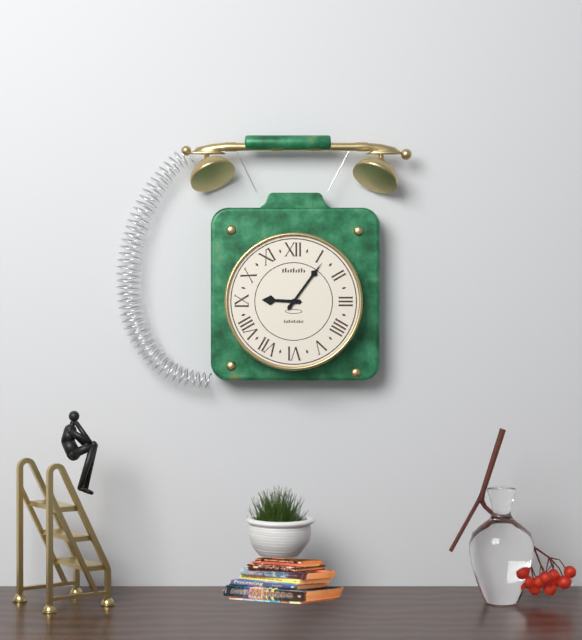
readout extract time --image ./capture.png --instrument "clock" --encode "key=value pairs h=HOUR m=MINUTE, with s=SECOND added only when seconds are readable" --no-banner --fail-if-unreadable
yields h=9 m=6
